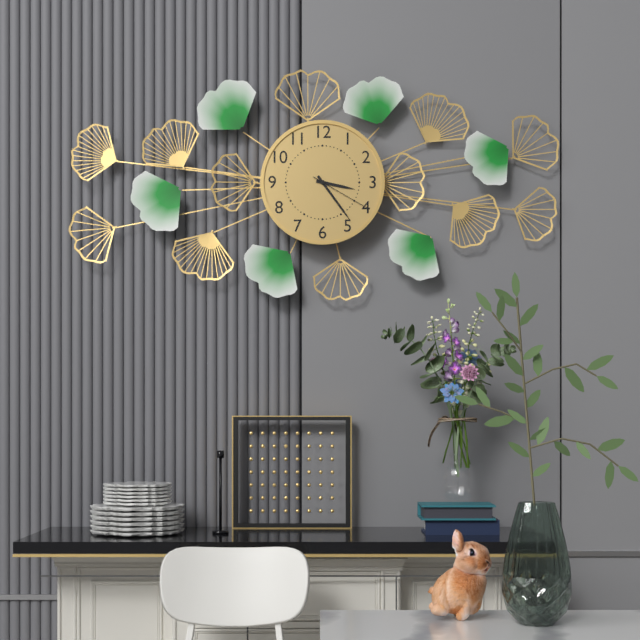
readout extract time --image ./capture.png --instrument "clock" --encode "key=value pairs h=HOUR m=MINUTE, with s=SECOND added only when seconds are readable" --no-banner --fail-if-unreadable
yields h=3 m=24 s=20
